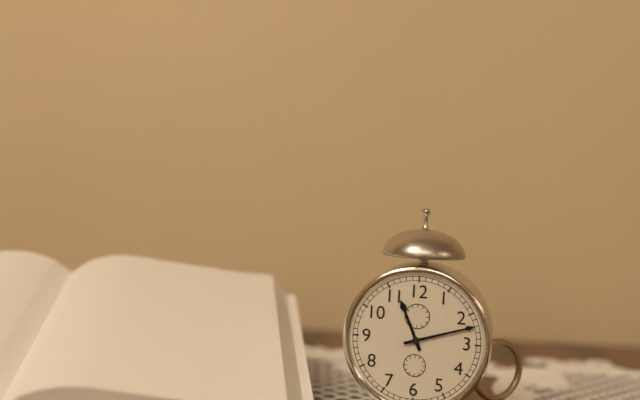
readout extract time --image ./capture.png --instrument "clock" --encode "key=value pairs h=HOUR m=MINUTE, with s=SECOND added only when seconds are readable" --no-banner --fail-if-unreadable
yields h=11 m=12
